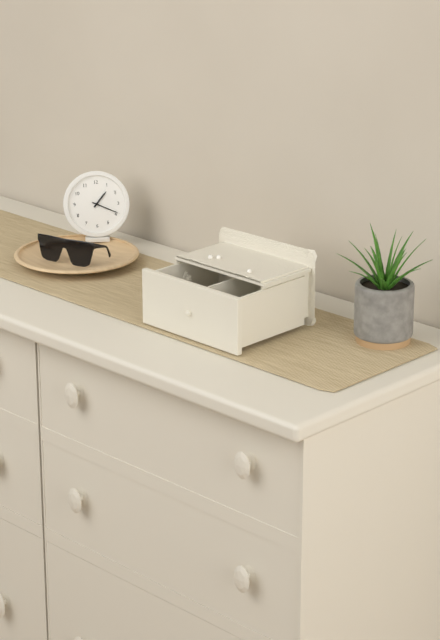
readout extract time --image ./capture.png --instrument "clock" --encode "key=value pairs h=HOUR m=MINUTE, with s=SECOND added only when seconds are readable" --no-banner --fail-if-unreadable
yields h=1 m=19
